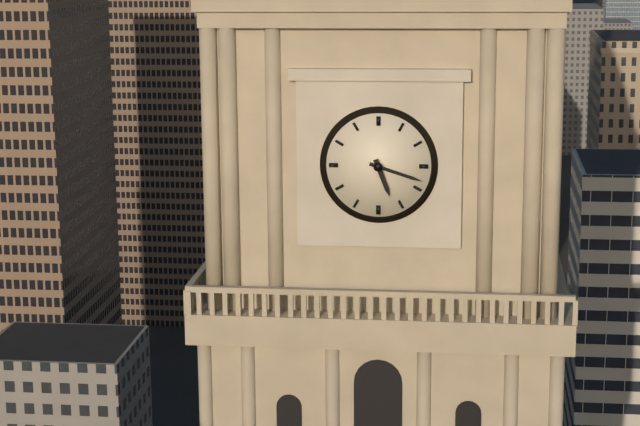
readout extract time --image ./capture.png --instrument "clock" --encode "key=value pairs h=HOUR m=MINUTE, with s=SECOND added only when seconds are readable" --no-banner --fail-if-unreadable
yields h=5 m=18
